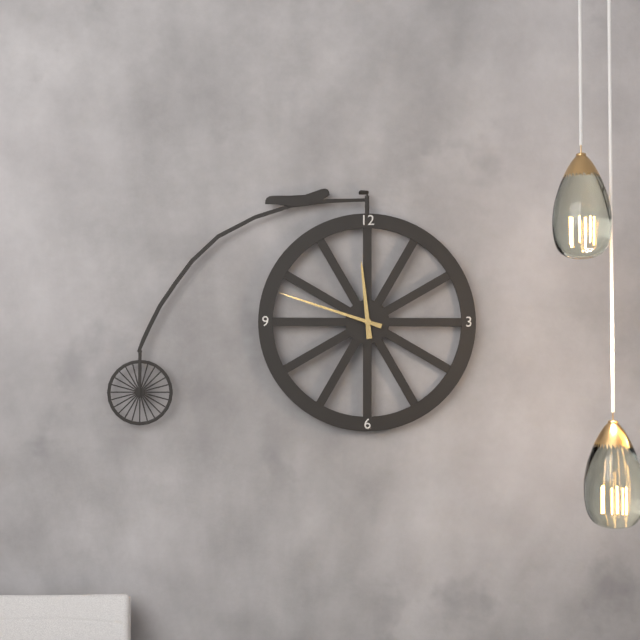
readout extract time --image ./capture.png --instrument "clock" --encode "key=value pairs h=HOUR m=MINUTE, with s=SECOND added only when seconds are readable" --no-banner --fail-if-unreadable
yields h=11 m=48
